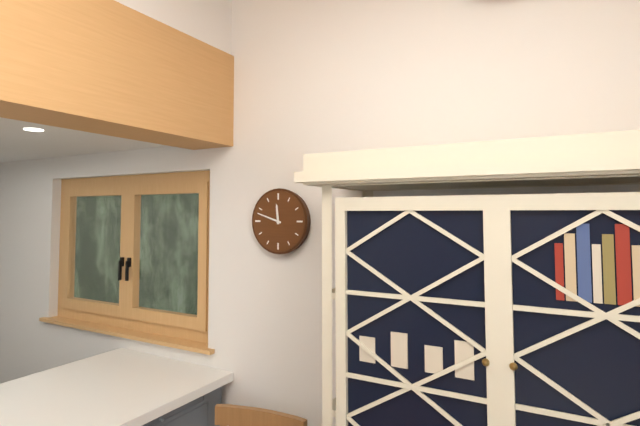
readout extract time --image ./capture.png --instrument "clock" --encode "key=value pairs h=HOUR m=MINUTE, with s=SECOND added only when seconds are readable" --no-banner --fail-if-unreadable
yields h=11 m=48
